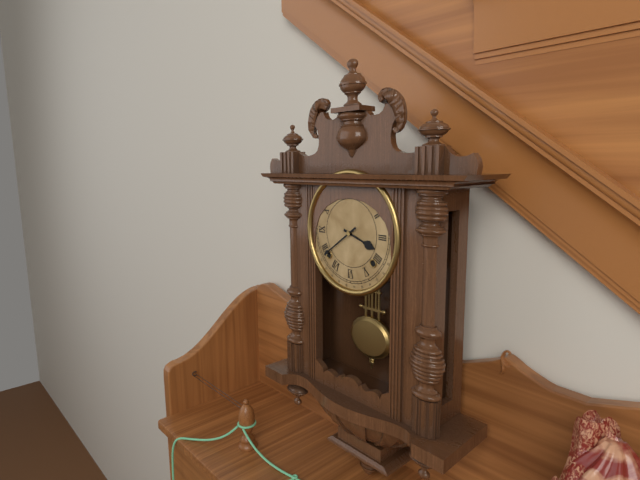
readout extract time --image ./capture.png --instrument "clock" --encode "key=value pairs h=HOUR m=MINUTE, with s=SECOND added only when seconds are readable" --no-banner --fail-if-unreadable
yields h=3 m=39
